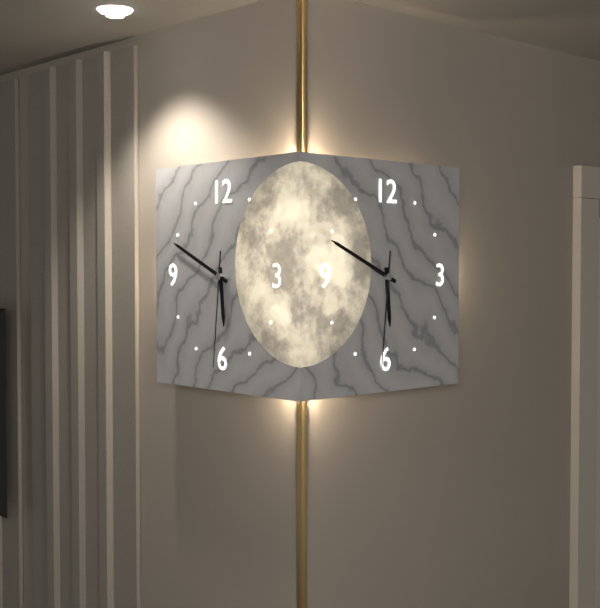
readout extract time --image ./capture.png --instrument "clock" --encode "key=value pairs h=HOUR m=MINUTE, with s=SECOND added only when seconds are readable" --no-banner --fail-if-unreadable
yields h=5 m=49 s=31
